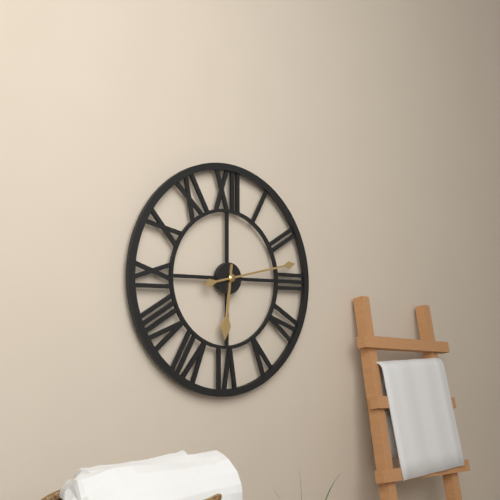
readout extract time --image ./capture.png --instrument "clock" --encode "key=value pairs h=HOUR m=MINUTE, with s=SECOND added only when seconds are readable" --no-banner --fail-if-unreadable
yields h=6 m=13
